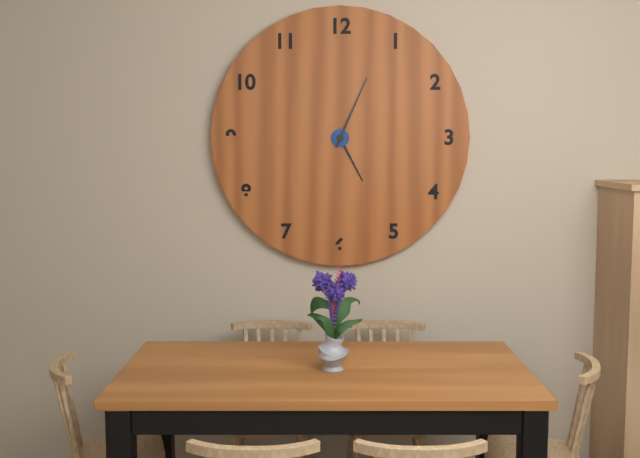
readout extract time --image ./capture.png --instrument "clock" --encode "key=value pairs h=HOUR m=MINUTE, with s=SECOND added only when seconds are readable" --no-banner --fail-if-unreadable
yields h=5 m=4
